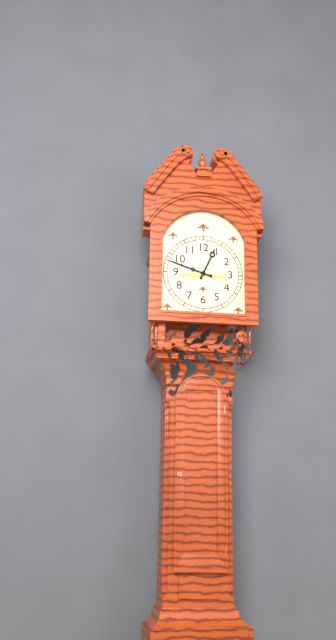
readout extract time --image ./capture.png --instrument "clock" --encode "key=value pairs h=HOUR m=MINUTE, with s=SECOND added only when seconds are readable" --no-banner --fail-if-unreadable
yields h=12 m=48
